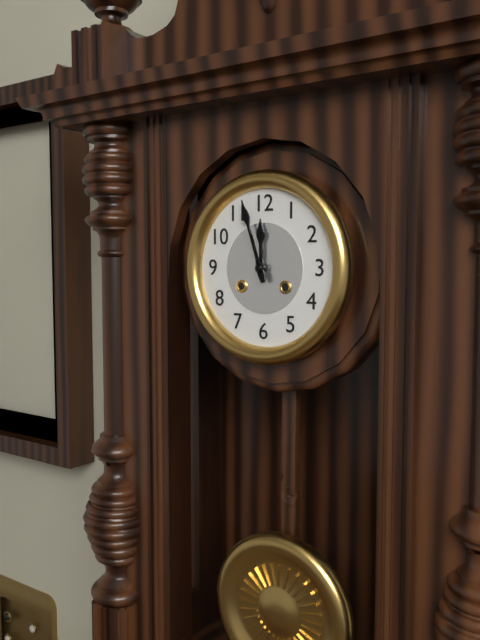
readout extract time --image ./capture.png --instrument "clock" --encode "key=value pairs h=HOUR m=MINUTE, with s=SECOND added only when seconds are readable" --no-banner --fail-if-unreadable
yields h=11 m=57
